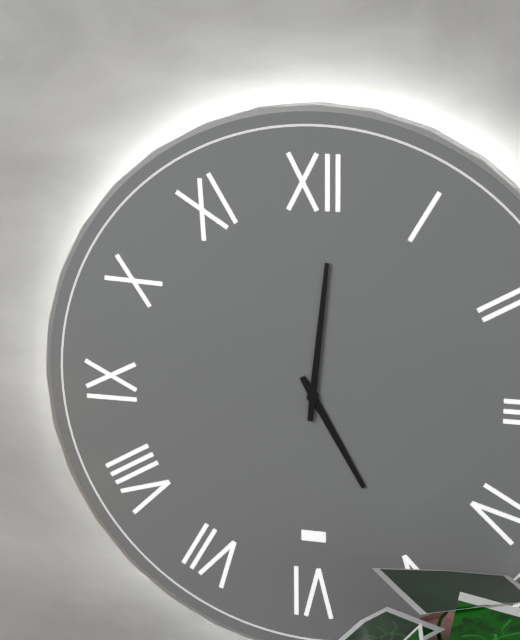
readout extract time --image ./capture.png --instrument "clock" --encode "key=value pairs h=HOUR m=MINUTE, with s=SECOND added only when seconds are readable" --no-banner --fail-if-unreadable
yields h=5 m=1
